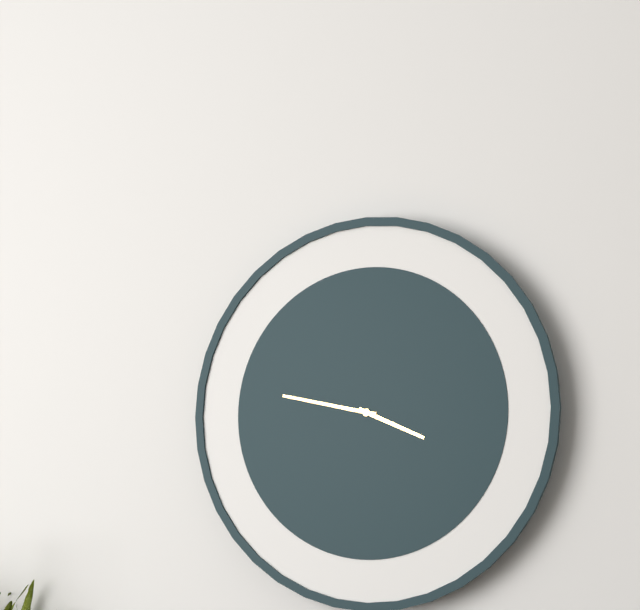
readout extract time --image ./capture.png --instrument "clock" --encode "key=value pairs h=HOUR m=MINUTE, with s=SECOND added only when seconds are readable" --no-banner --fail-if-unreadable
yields h=3 m=47
